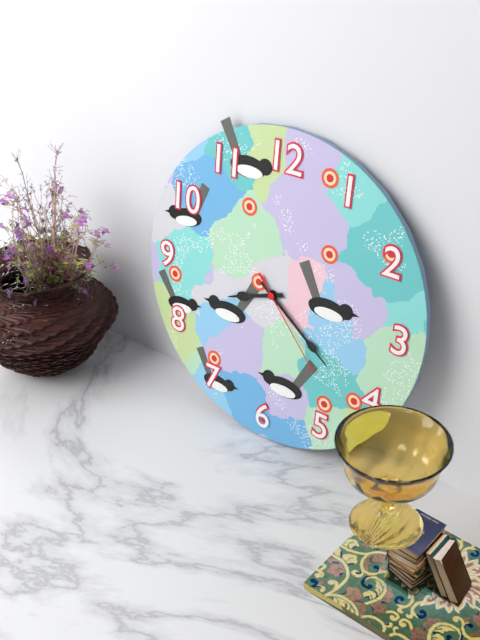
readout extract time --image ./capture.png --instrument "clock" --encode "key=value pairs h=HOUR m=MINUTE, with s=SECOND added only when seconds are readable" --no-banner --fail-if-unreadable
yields h=8 m=21 s=23
